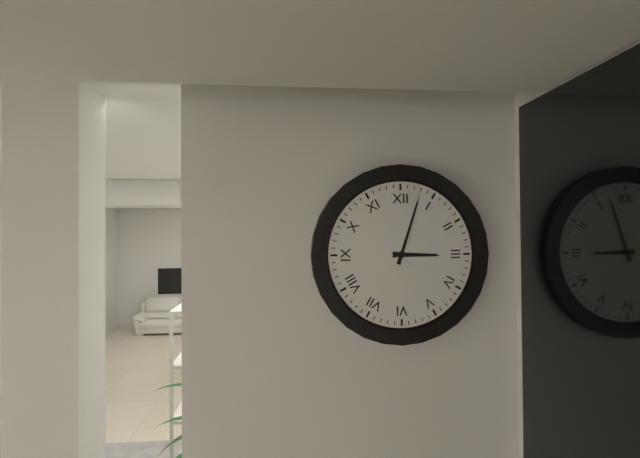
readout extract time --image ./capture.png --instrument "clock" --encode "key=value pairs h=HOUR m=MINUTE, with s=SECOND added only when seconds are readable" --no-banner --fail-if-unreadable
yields h=3 m=3
